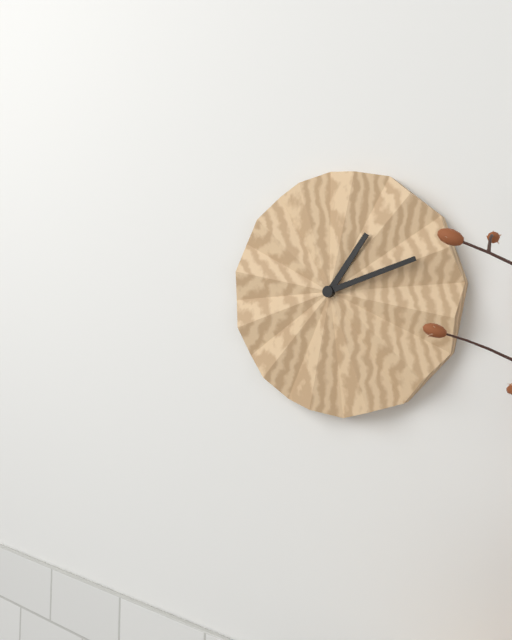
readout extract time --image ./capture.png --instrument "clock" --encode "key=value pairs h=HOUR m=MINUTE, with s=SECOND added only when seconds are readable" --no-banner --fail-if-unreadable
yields h=1 m=12
